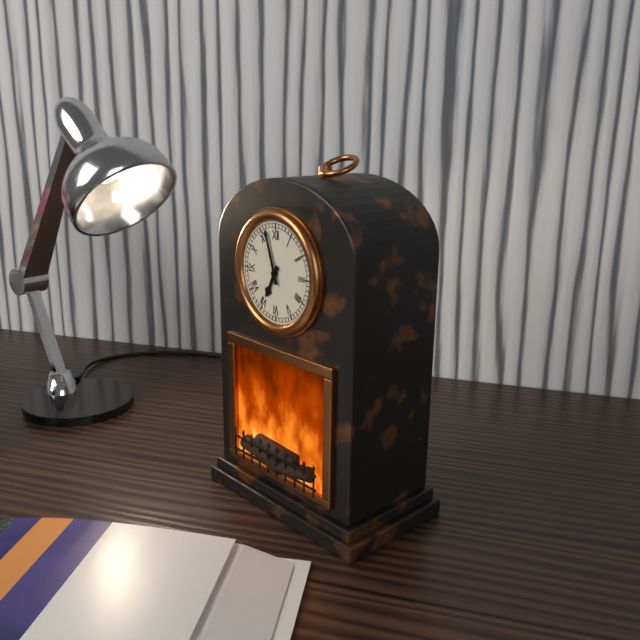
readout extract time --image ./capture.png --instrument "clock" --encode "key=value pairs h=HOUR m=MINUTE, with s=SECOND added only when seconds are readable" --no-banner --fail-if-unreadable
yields h=6 m=57
